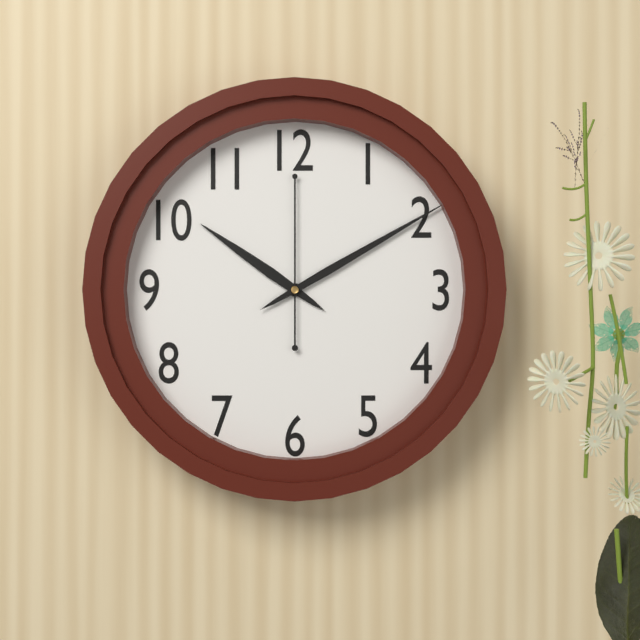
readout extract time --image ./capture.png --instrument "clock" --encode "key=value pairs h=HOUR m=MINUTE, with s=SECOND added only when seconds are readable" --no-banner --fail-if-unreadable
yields h=10 m=10 s=0
